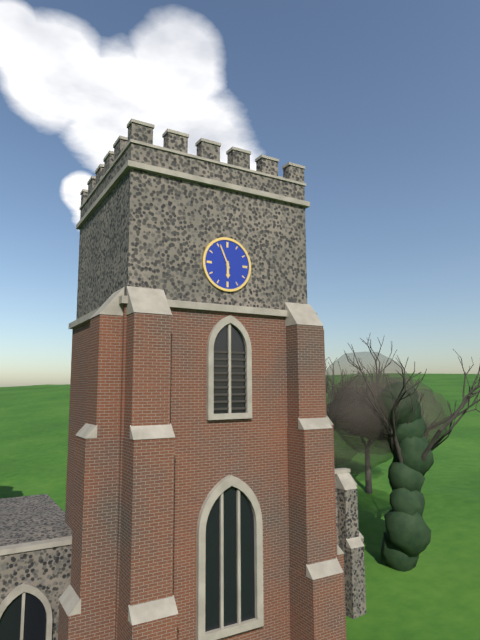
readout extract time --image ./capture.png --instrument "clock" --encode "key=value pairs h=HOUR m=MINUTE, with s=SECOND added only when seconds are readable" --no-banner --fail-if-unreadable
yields h=5 m=56
